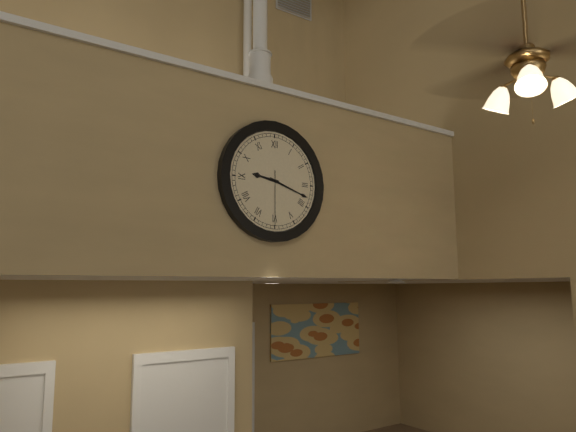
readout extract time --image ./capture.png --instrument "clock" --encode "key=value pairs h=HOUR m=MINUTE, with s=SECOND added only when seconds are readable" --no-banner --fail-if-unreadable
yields h=9 m=18 s=30
